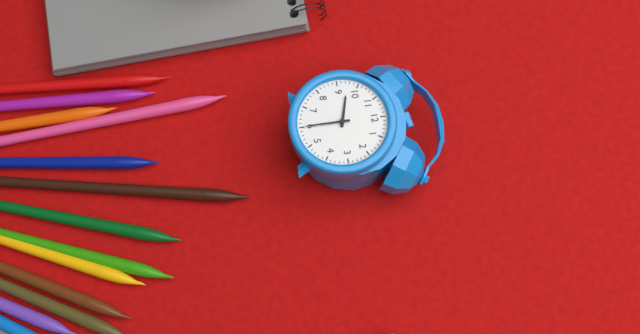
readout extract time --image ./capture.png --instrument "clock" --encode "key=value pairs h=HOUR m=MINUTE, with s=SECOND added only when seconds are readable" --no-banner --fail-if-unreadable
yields h=9 m=30
